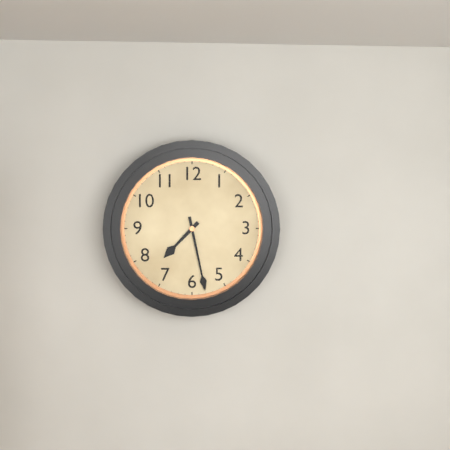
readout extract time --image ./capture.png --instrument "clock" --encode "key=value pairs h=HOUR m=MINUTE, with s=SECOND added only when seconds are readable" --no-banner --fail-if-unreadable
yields h=7 m=28
